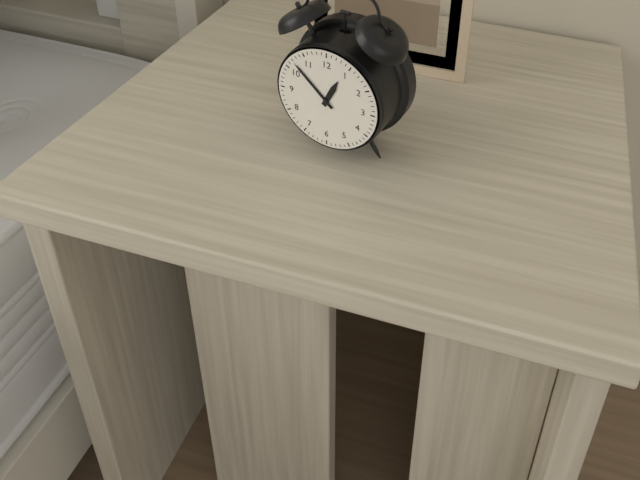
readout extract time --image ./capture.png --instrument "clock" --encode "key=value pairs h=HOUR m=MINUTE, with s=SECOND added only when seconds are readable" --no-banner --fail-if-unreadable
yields h=12 m=52
